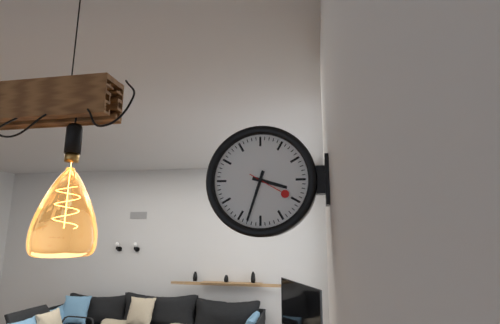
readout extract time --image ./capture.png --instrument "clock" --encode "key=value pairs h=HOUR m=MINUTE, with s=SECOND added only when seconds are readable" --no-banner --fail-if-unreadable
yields h=3 m=33
